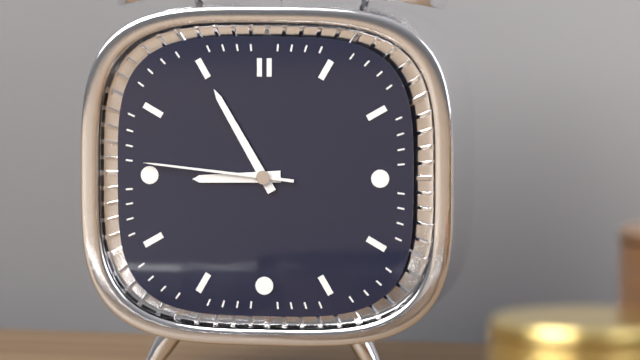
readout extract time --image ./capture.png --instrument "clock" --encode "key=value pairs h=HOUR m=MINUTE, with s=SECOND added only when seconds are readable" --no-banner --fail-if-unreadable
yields h=8 m=55 s=46
